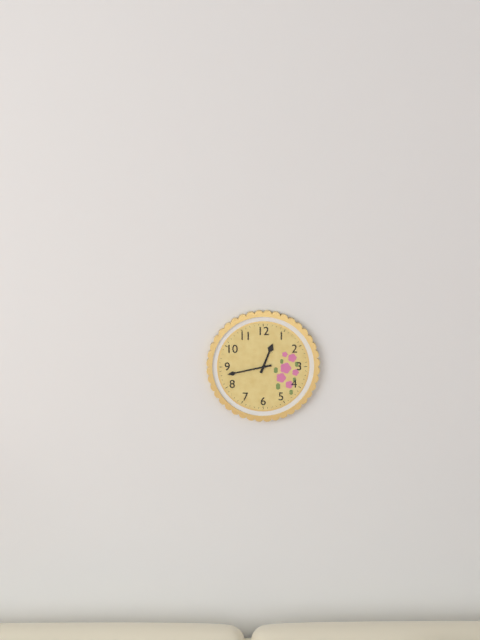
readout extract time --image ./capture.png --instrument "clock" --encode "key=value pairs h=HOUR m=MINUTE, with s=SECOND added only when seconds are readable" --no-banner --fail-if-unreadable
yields h=12 m=43
